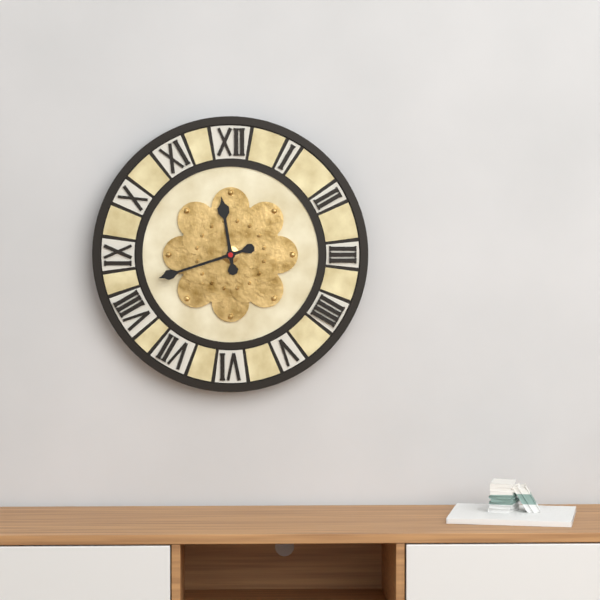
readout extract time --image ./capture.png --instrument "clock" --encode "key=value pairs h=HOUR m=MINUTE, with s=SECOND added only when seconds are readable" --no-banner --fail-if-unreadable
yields h=11 m=42
